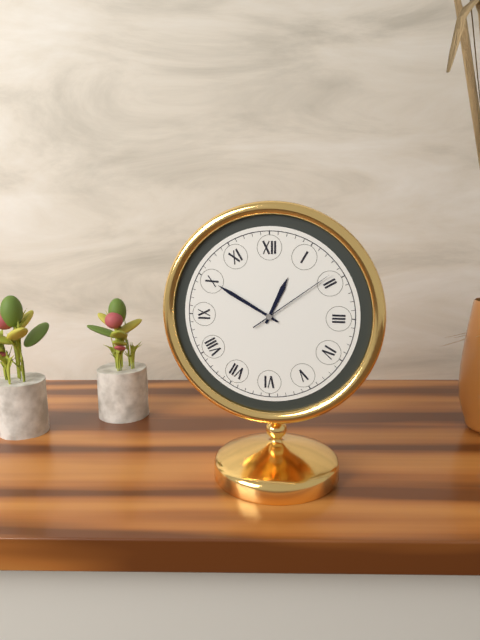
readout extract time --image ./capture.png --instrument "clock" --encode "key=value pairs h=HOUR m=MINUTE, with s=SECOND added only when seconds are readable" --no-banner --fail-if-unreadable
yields h=12 m=50 s=9
